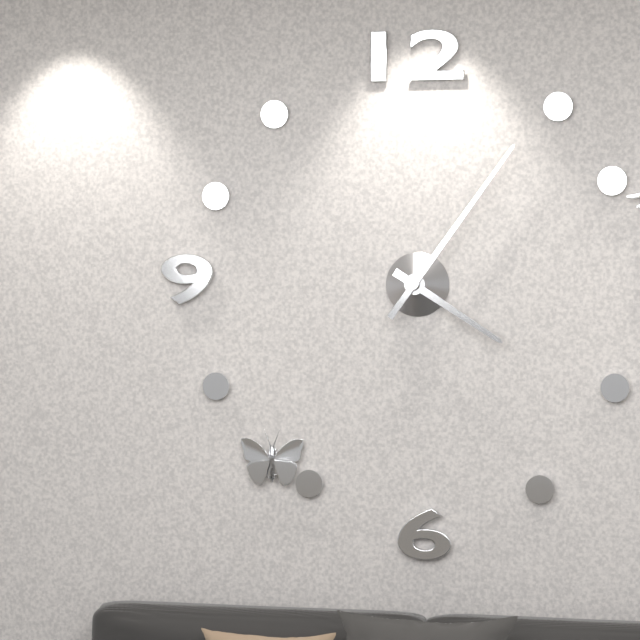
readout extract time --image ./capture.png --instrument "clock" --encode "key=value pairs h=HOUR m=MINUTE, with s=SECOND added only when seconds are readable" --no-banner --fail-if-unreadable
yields h=4 m=6
